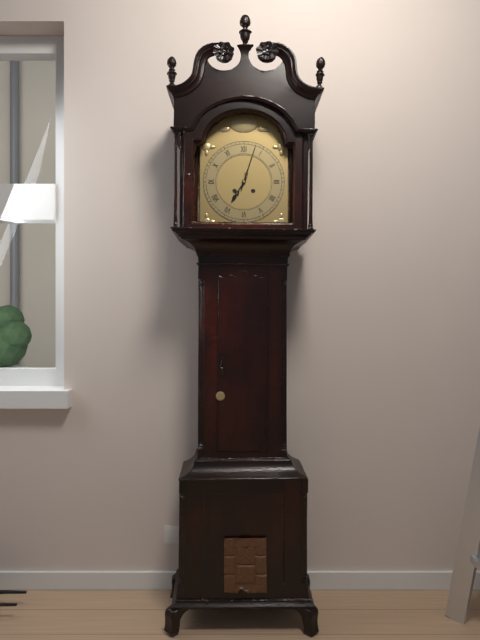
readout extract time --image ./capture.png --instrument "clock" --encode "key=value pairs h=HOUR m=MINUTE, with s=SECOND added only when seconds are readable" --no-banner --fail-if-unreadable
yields h=7 m=3
